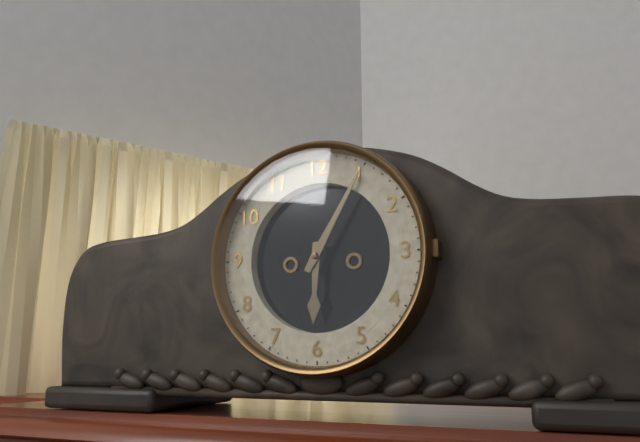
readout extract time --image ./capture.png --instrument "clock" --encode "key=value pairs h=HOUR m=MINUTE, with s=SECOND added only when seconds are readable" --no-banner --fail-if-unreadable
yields h=6 m=5
